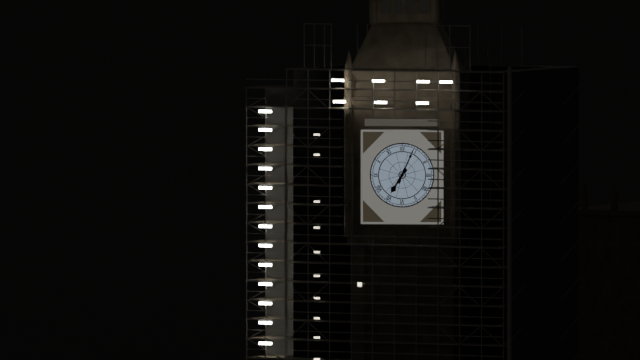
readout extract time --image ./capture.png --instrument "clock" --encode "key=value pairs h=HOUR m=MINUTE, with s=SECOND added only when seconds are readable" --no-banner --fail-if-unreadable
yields h=7 m=4
